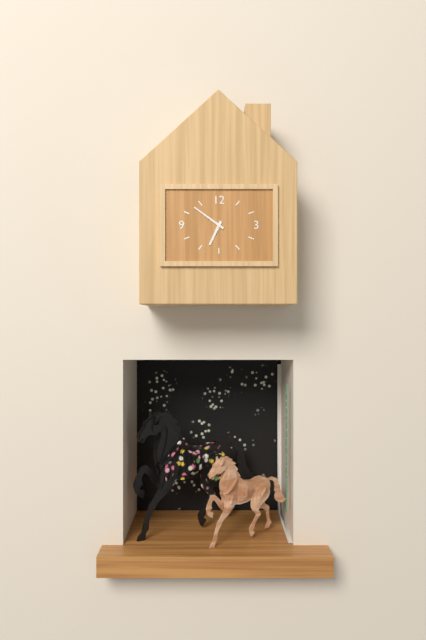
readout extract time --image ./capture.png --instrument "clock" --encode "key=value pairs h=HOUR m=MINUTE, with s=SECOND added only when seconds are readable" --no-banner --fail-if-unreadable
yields h=6 m=51
